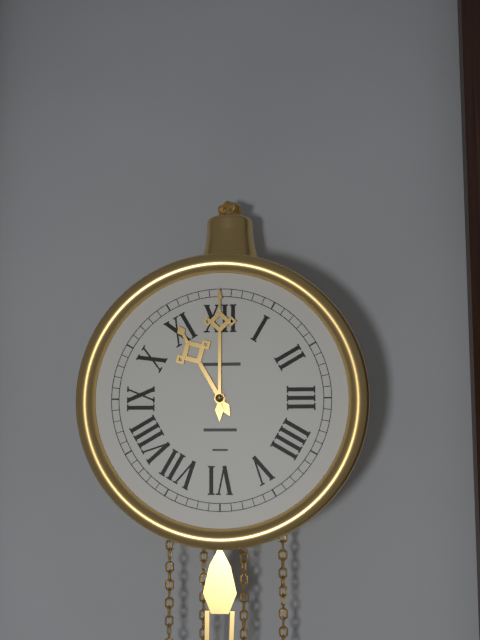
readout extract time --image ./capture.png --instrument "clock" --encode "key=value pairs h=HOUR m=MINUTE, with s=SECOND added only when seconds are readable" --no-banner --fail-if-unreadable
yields h=11 m=0
